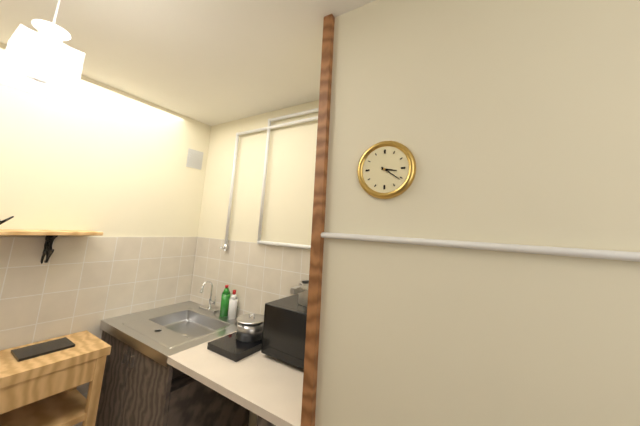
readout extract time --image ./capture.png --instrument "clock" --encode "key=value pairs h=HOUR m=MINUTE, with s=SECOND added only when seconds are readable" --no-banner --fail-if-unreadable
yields h=3 m=21
